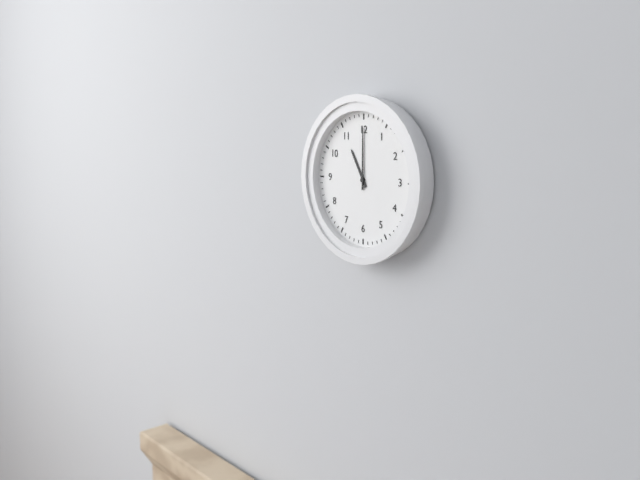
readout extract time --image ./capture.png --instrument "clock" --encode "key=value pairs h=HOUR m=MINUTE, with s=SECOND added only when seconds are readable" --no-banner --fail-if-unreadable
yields h=11 m=0
